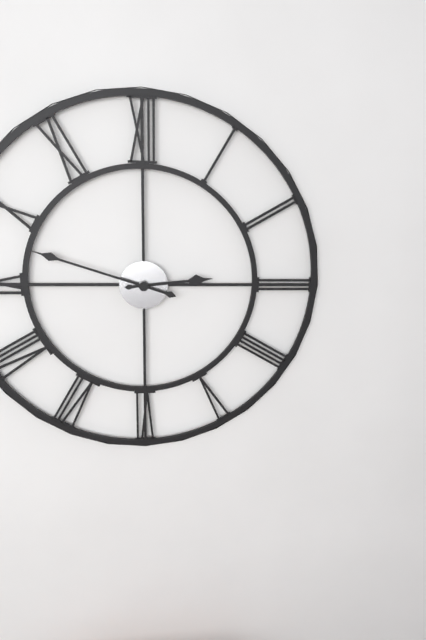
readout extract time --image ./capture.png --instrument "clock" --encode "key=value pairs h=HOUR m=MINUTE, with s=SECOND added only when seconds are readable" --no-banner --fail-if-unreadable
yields h=2 m=48
